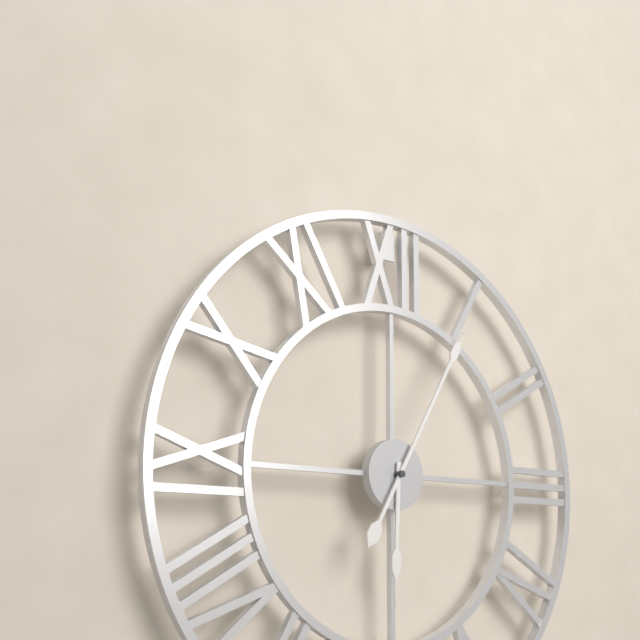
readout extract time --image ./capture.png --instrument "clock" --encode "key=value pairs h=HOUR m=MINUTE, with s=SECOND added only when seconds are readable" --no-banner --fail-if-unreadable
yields h=6 m=5
